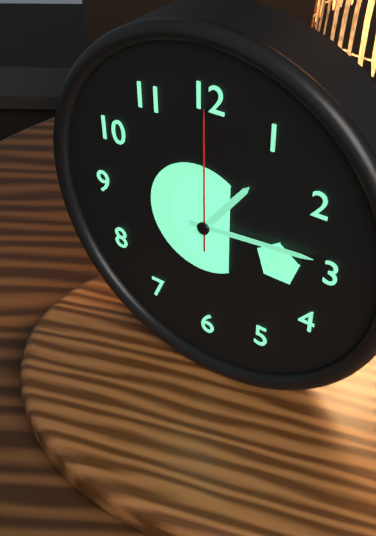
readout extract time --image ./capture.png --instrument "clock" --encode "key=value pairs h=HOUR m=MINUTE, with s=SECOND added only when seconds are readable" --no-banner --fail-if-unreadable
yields h=1 m=14 s=0
